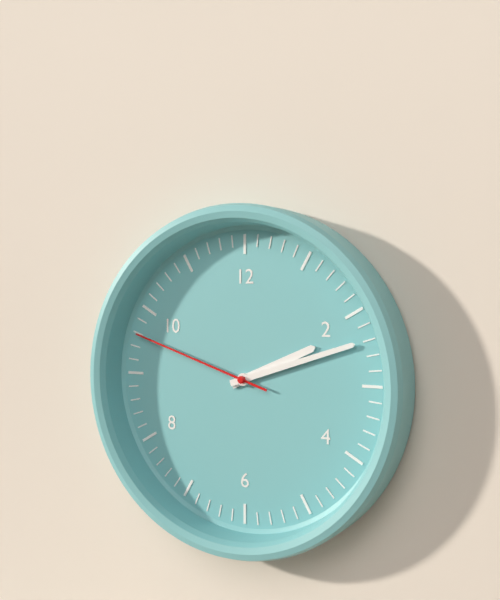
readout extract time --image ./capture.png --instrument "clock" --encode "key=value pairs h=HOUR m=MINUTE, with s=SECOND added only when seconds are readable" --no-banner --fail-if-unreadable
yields h=2 m=12 s=48
